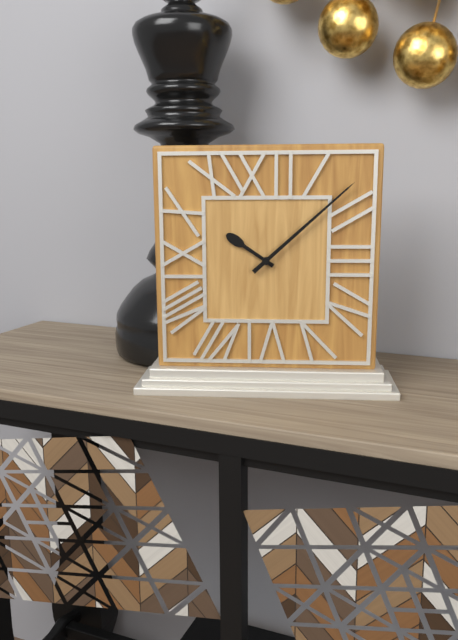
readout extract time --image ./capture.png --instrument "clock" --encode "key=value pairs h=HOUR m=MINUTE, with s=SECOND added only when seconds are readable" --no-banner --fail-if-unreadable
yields h=10 m=8
